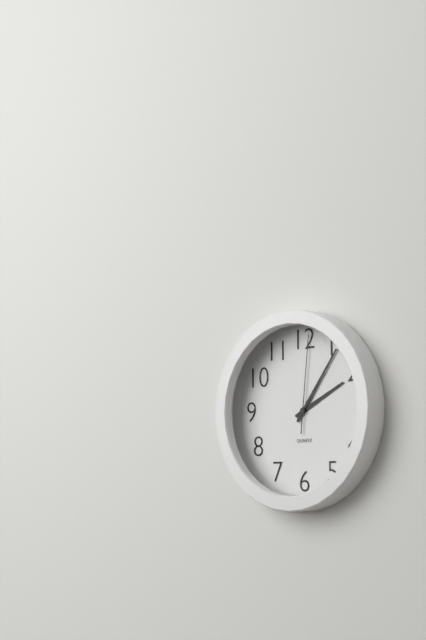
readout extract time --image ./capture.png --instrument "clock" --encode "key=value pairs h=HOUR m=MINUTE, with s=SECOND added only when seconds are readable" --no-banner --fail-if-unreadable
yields h=2 m=6 s=1
